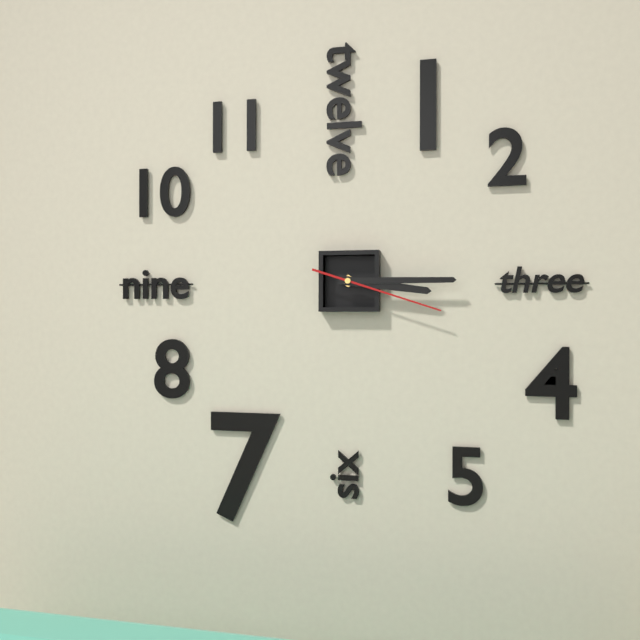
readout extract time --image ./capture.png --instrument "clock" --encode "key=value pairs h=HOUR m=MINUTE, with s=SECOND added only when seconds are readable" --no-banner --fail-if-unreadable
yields h=3 m=15 s=18
